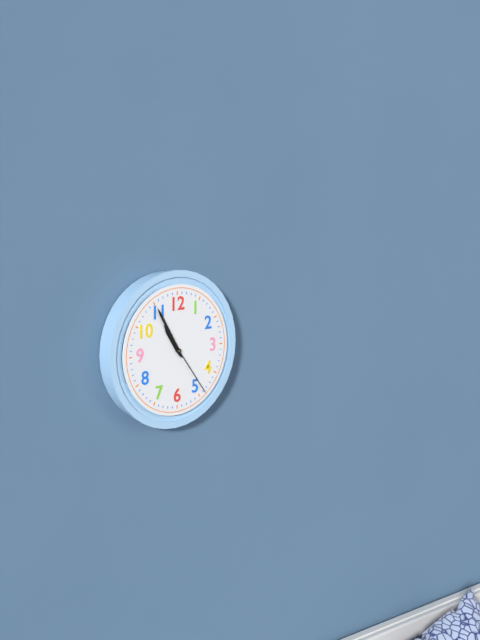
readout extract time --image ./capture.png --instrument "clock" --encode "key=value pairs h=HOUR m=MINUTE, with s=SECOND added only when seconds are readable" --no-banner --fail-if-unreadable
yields h=10 m=55 s=24
